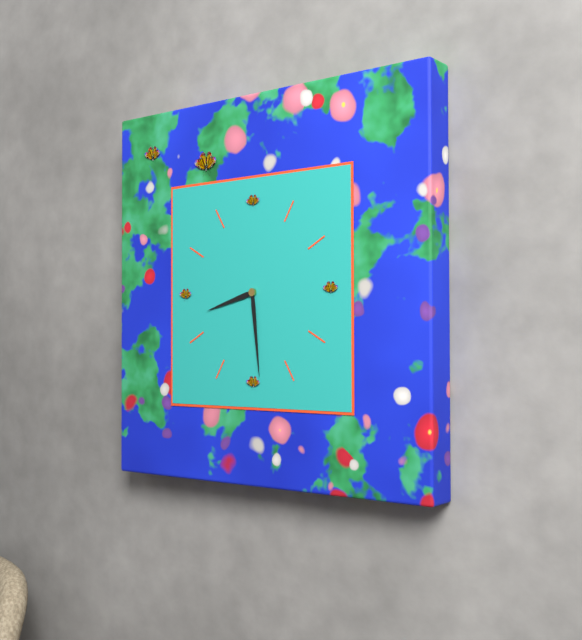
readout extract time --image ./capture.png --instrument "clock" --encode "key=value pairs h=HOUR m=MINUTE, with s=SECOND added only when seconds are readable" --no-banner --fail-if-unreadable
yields h=8 m=29
